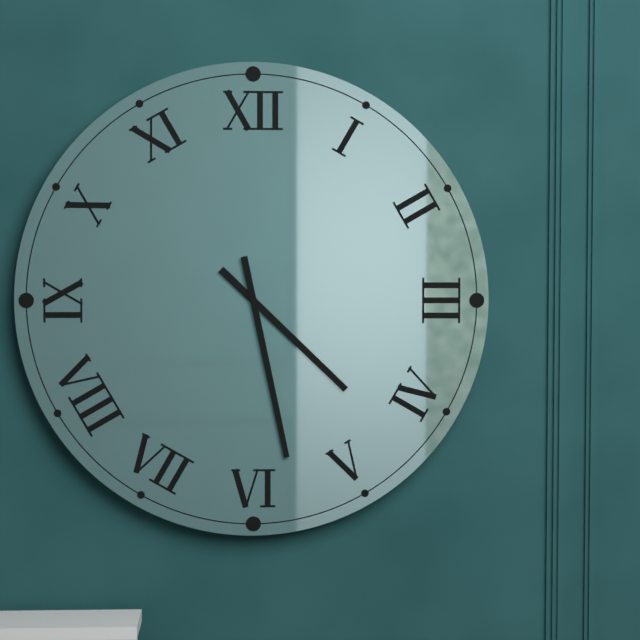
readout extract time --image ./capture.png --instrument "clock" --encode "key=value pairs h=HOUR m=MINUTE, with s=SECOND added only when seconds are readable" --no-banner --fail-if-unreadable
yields h=4 m=28
